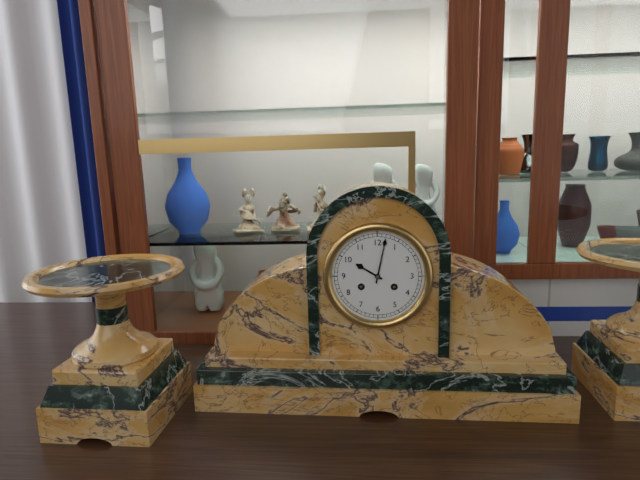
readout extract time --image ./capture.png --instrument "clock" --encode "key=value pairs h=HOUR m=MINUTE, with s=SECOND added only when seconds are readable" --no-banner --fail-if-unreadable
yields h=10 m=2
